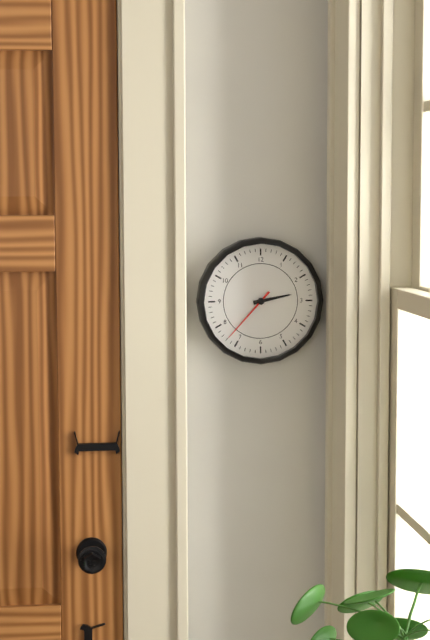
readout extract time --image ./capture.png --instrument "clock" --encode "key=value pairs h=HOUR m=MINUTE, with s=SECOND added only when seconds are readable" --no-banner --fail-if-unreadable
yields h=2 m=37
